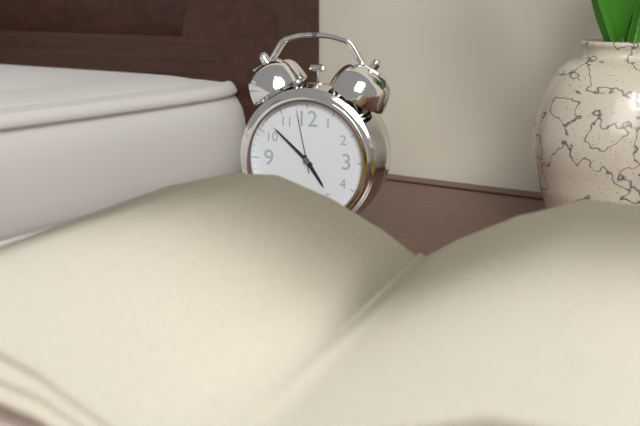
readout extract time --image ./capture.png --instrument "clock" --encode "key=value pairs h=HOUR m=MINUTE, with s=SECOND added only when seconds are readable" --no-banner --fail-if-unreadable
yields h=4 m=52 s=58
